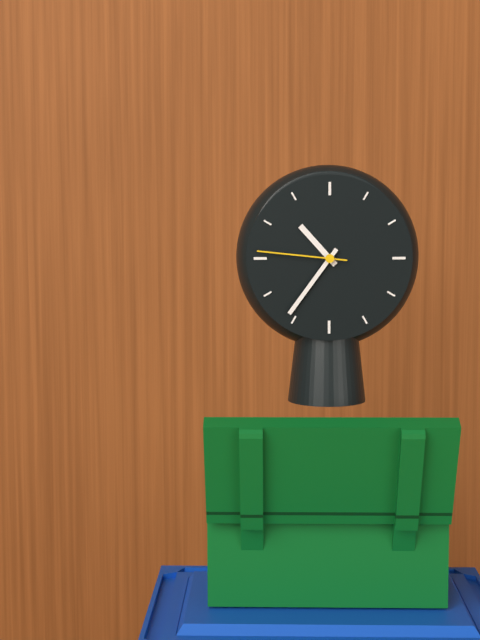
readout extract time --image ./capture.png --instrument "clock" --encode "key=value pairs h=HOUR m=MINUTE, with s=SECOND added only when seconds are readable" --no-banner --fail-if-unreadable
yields h=10 m=36 s=46
